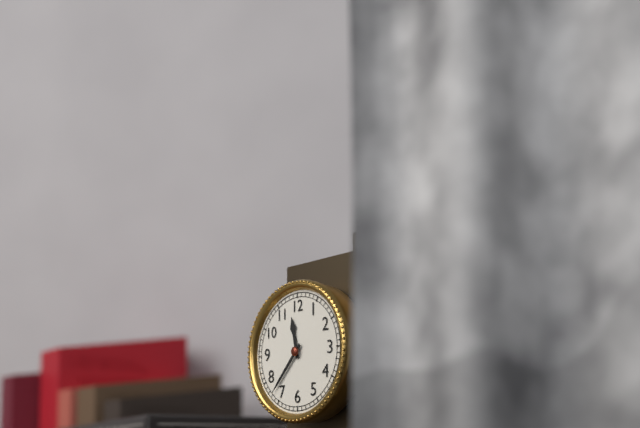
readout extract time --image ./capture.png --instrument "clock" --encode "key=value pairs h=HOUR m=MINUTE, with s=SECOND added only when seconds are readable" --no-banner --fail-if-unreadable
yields h=11 m=37
